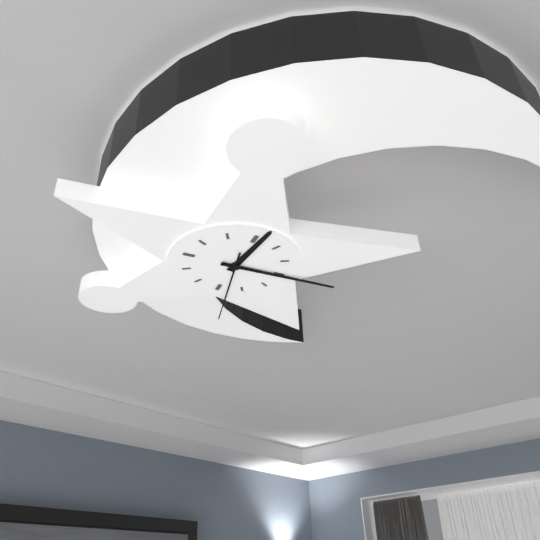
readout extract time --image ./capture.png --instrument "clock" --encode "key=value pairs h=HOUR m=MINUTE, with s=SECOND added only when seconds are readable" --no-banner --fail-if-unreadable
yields h=12 m=15 s=28
